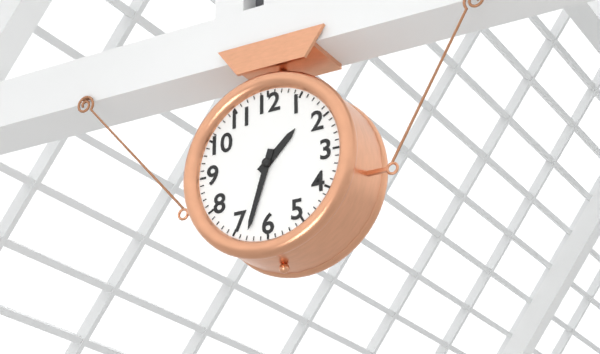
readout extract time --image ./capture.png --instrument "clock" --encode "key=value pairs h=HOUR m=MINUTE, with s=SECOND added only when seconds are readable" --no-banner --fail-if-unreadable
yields h=1 m=33
